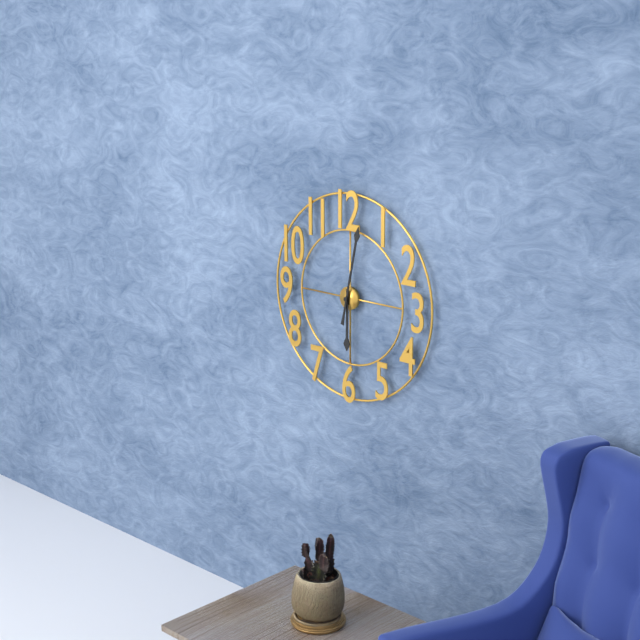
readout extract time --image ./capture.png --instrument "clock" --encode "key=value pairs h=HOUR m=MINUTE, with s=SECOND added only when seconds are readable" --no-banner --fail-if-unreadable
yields h=6 m=2
